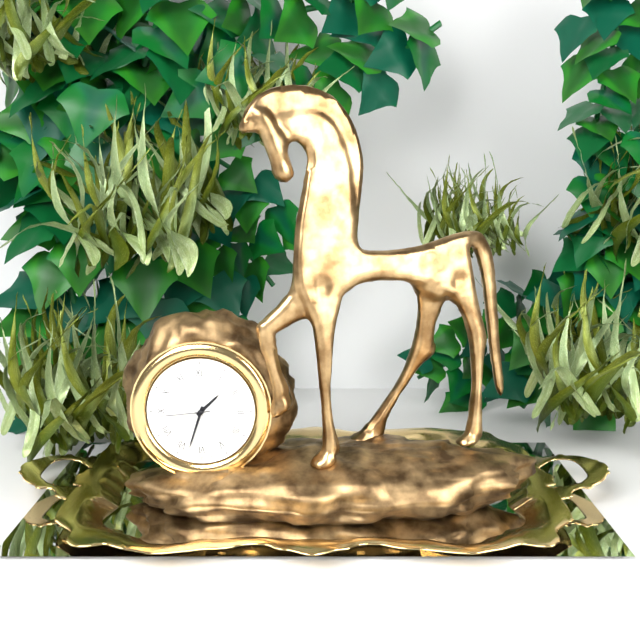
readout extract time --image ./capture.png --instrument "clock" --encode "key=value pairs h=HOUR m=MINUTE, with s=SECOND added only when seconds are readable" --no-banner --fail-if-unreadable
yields h=1 m=33 s=44
